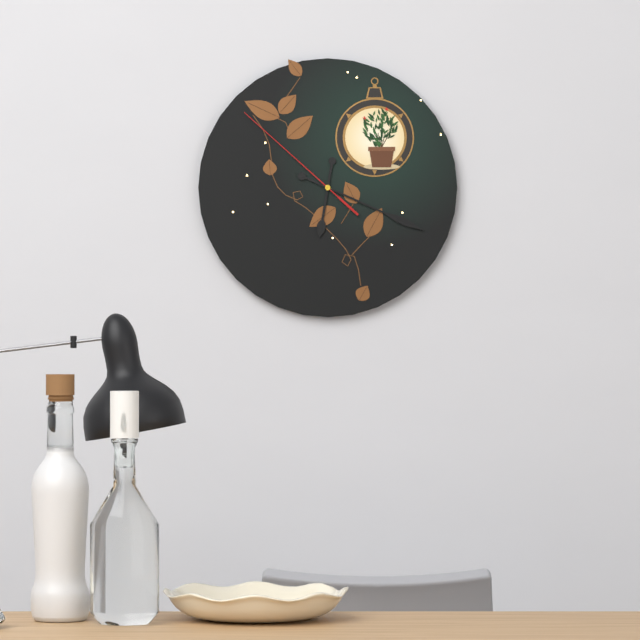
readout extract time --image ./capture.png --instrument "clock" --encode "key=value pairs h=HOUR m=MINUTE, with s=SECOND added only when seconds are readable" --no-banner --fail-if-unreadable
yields h=6 m=19 s=52
